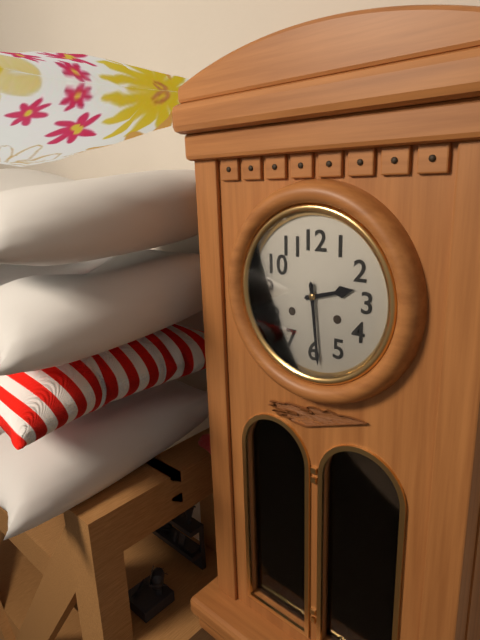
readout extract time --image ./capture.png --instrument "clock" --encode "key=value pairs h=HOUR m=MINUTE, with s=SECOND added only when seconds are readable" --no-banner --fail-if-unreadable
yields h=2 m=29
